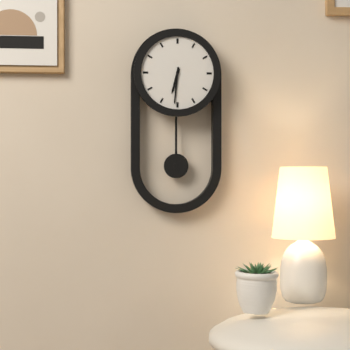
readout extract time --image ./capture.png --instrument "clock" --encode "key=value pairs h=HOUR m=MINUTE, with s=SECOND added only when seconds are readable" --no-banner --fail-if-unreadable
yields h=6 m=31
